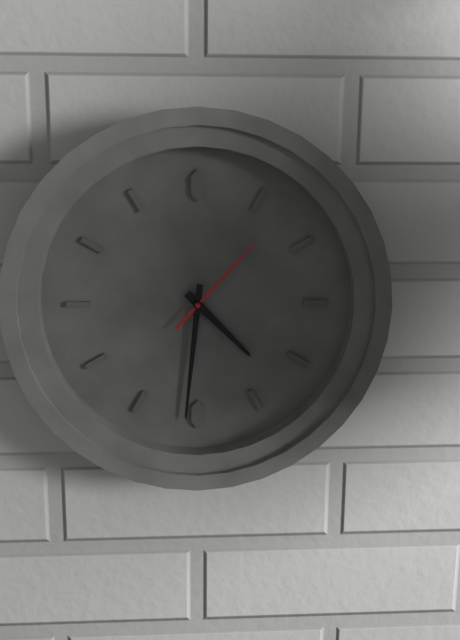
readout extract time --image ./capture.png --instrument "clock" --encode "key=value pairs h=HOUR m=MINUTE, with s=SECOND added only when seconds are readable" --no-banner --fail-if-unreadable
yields h=4 m=31 s=7
